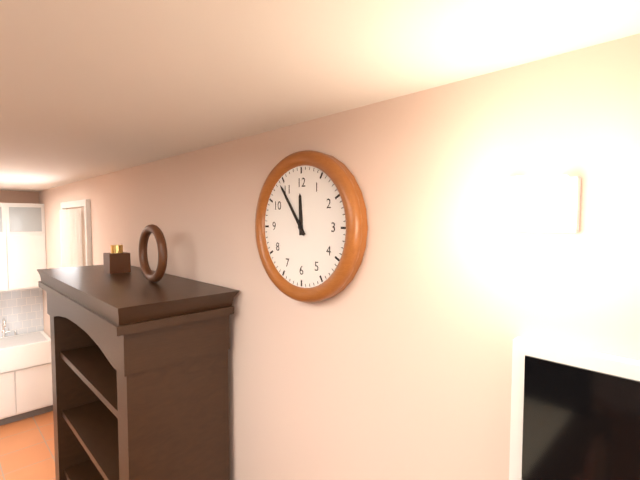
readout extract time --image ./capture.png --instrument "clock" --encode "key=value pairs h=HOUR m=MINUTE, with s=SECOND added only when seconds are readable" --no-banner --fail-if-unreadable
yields h=11 m=54
